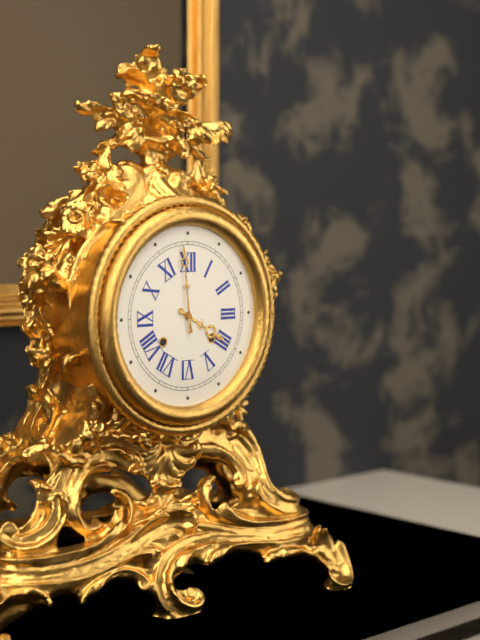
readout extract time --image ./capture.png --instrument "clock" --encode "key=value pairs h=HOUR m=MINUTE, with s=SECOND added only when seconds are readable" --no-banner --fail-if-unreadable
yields h=3 m=59
